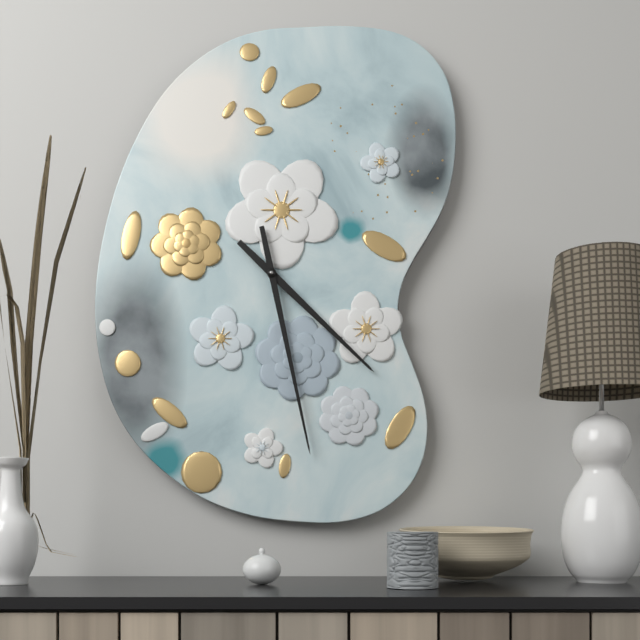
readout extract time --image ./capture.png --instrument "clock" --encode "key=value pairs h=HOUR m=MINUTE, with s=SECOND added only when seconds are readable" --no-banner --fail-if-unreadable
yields h=4 m=28
